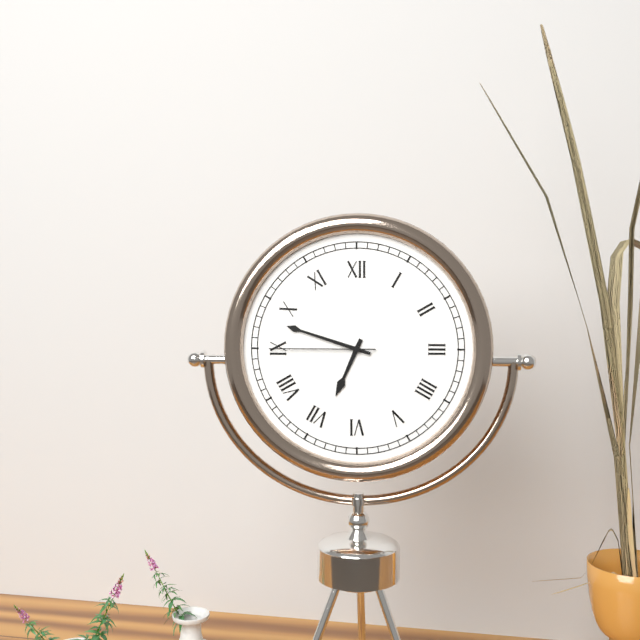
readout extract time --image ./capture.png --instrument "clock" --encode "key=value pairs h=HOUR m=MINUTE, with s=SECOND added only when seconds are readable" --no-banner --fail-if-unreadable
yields h=6 m=48 s=45
